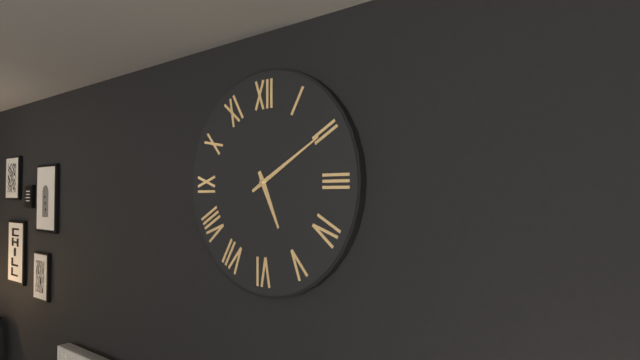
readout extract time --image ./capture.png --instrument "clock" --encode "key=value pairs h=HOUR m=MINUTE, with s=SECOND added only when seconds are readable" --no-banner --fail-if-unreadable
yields h=5 m=10
